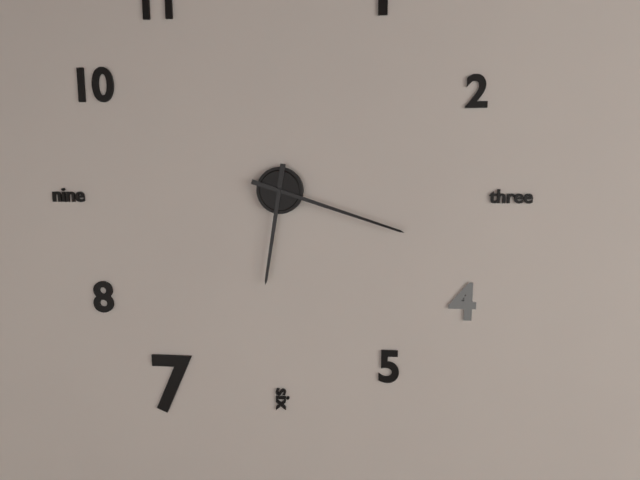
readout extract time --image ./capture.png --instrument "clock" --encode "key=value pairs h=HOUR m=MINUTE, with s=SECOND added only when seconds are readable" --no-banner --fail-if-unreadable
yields h=6 m=18
